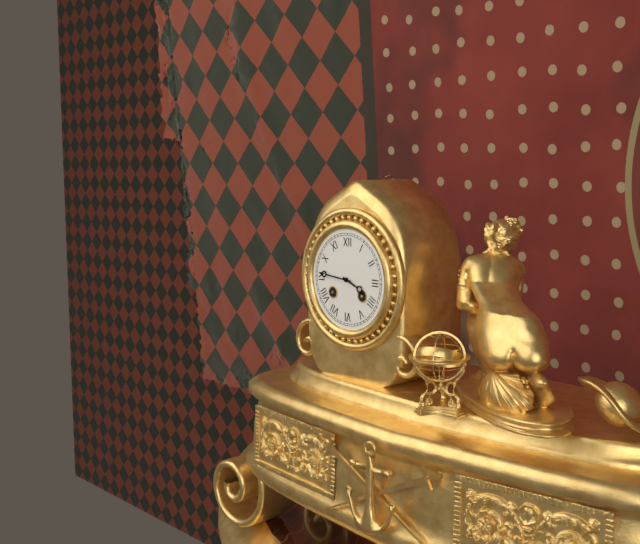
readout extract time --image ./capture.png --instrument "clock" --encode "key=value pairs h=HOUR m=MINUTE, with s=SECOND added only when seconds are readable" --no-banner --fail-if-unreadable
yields h=3 m=46
